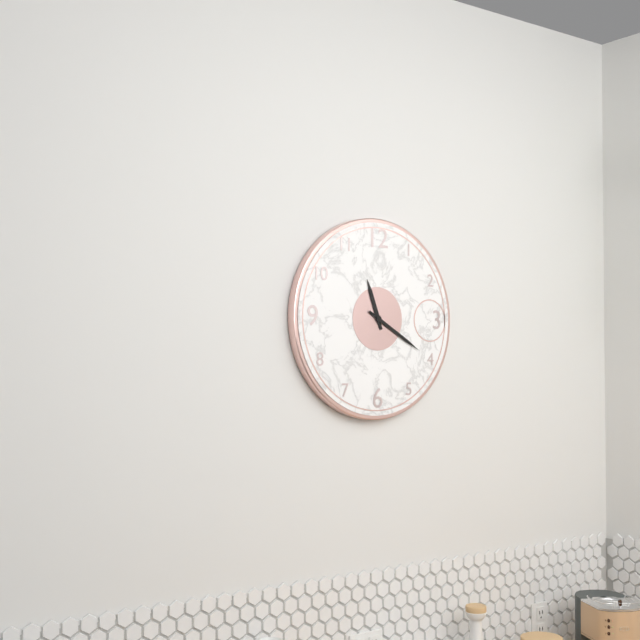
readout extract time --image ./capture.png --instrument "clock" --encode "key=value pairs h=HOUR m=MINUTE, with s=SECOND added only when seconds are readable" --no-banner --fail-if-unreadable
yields h=11 m=20
